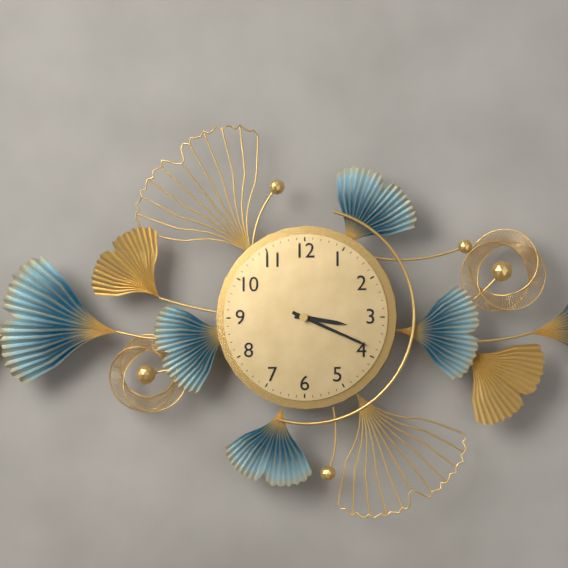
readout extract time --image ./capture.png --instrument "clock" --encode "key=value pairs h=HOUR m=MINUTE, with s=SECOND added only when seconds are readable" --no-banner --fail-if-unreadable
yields h=3 m=19
